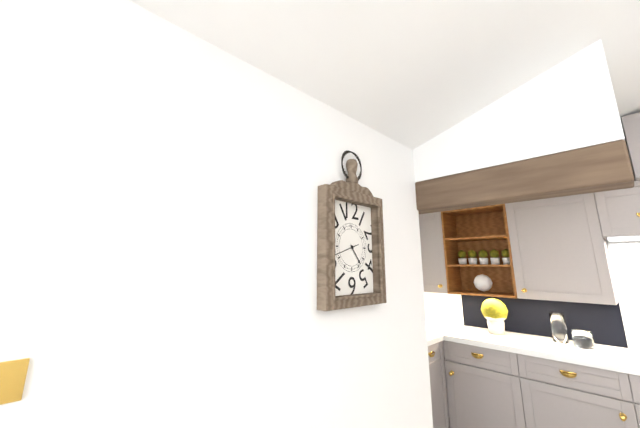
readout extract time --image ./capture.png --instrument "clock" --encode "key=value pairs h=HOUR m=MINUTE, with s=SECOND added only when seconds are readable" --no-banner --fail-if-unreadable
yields h=4 m=42
